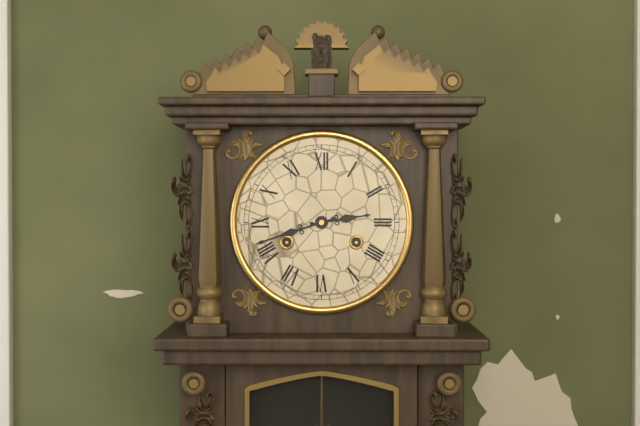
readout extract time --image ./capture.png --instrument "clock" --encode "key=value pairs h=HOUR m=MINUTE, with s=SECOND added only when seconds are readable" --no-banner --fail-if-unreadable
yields h=2 m=42
